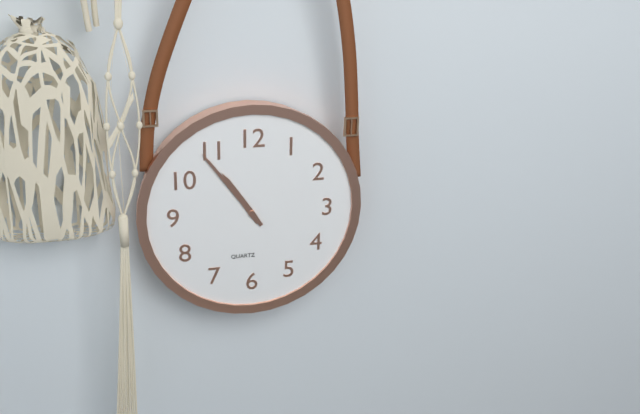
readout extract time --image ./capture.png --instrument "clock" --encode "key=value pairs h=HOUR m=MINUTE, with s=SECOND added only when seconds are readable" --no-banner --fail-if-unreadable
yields h=10 m=54
